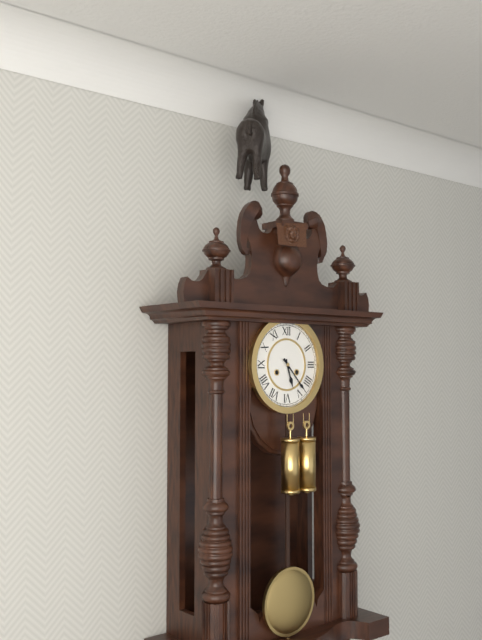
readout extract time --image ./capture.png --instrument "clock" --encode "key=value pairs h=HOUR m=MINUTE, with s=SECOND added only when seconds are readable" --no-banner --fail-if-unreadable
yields h=5 m=23
